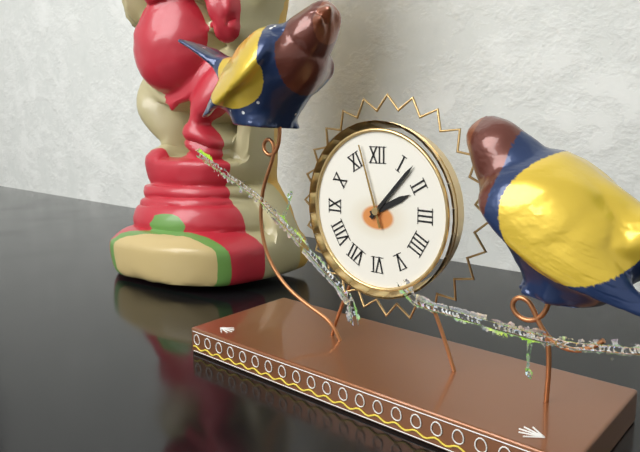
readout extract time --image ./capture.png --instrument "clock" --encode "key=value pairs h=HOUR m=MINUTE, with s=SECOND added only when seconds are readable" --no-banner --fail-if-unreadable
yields h=2 m=7 s=57
